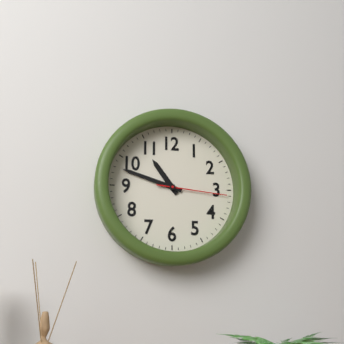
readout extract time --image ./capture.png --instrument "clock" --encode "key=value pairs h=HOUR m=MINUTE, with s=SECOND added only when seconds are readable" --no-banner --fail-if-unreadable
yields h=10 m=48 s=16
